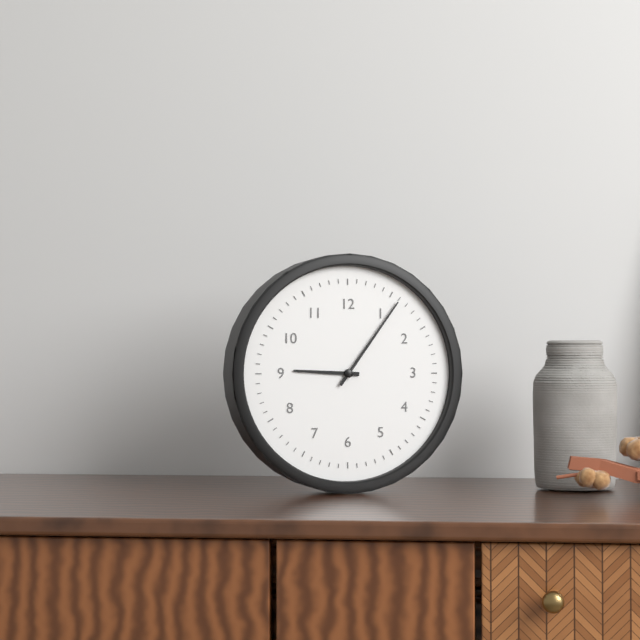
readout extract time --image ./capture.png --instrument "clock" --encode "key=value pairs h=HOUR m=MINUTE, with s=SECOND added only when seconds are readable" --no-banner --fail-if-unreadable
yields h=9 m=6
